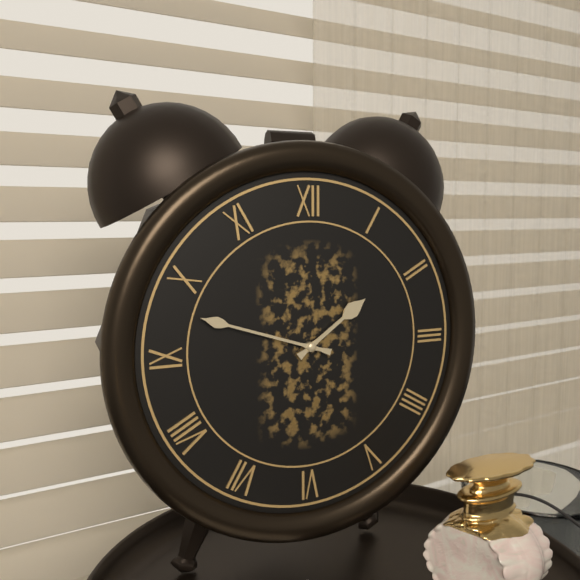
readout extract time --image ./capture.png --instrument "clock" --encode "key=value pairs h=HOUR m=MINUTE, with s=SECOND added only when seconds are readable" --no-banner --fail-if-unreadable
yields h=1 m=48
